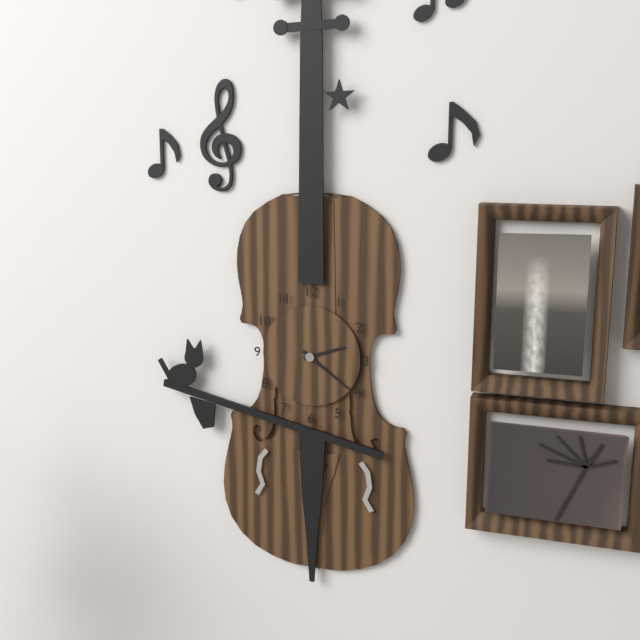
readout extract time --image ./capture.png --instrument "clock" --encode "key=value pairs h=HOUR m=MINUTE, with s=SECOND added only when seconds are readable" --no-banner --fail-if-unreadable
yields h=2 m=21
